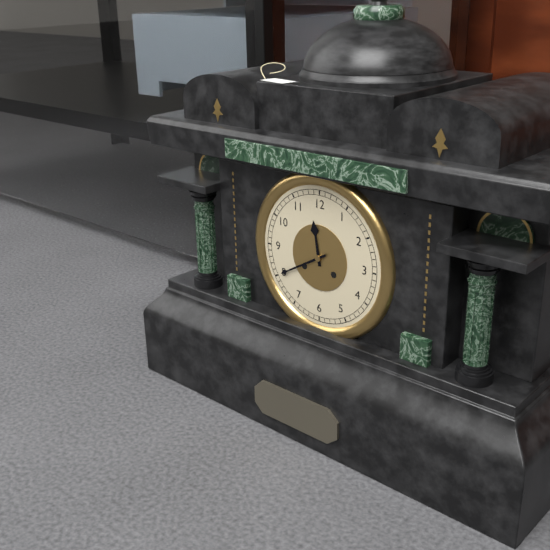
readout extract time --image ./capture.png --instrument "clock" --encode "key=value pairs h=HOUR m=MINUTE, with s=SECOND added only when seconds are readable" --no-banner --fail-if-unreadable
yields h=11 m=40
